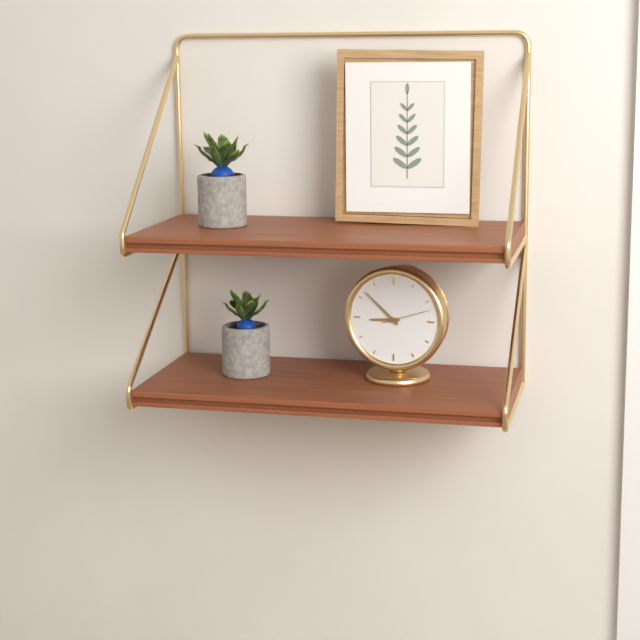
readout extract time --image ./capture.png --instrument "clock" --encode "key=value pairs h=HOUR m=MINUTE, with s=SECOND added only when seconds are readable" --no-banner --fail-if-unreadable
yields h=8 m=52 s=12
